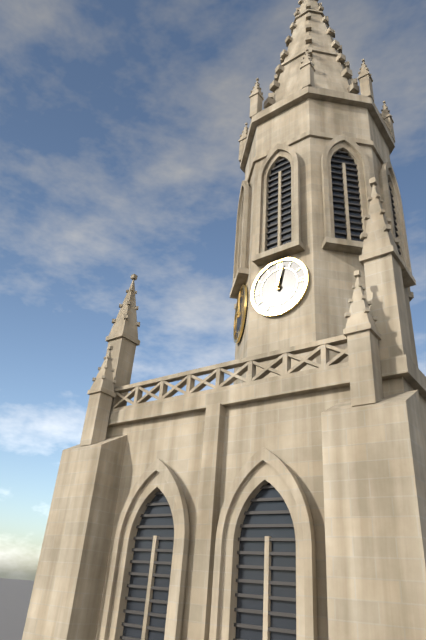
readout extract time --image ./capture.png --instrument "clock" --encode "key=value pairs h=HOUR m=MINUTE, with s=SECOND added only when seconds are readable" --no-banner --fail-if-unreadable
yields h=12 m=2
